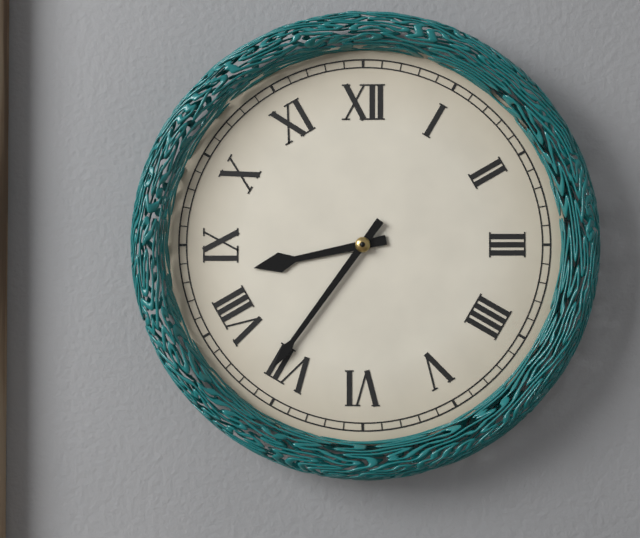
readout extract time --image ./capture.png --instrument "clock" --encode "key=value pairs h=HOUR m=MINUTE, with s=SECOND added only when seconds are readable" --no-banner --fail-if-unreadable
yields h=8 m=36
